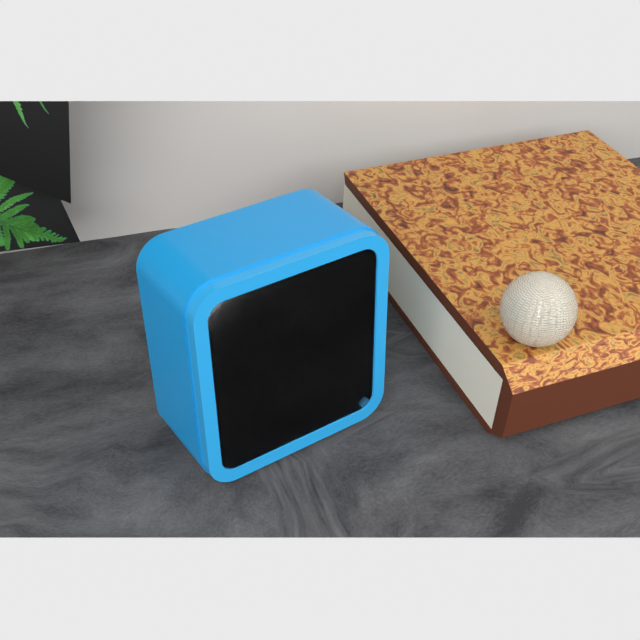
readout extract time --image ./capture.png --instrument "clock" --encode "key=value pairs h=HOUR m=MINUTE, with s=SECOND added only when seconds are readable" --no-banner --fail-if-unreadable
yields h=9 m=9
